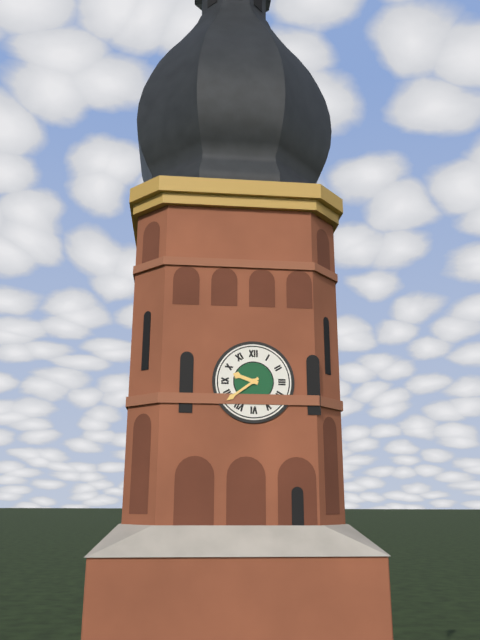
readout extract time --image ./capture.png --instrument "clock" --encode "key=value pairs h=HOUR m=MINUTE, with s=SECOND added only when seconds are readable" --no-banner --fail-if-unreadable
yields h=9 m=39
